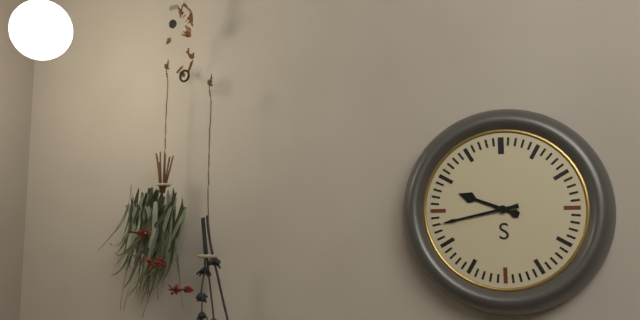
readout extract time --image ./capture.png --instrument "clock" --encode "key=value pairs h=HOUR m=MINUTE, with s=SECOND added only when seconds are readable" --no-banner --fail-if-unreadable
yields h=9 m=43
